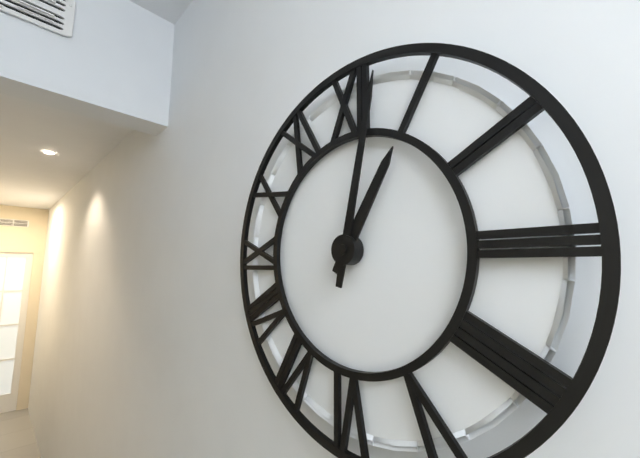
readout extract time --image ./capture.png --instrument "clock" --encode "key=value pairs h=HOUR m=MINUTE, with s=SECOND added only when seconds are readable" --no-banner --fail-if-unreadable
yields h=1 m=2
